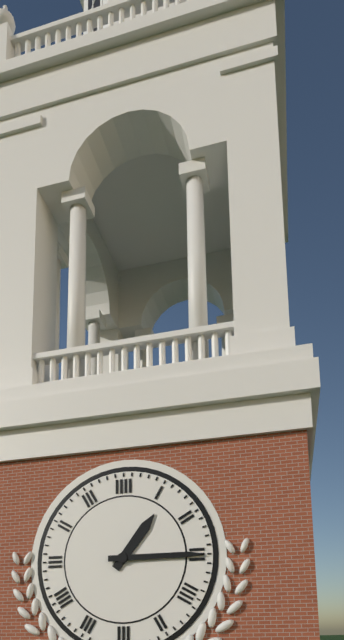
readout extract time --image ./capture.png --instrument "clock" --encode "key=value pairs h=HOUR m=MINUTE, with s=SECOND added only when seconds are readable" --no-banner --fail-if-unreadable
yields h=1 m=15
